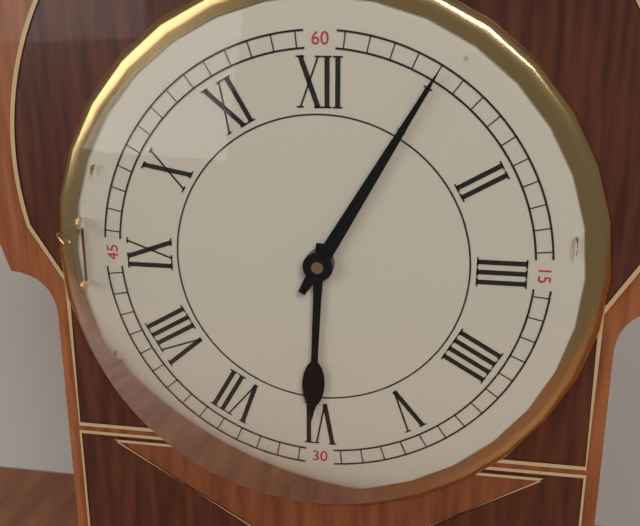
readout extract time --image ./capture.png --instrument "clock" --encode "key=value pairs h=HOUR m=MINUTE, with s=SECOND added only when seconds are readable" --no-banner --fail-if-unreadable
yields h=6 m=5
